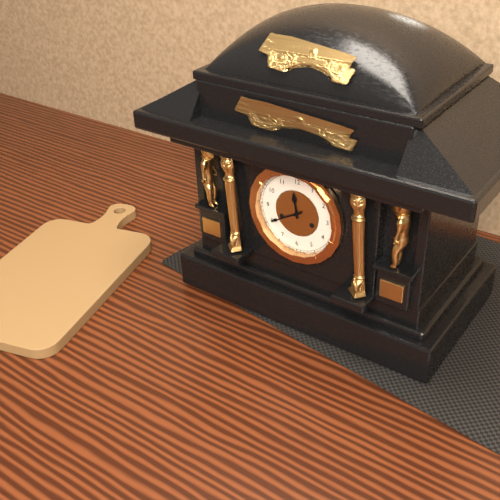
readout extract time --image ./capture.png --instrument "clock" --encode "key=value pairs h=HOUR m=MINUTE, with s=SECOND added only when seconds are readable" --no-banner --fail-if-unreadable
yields h=11 m=40
